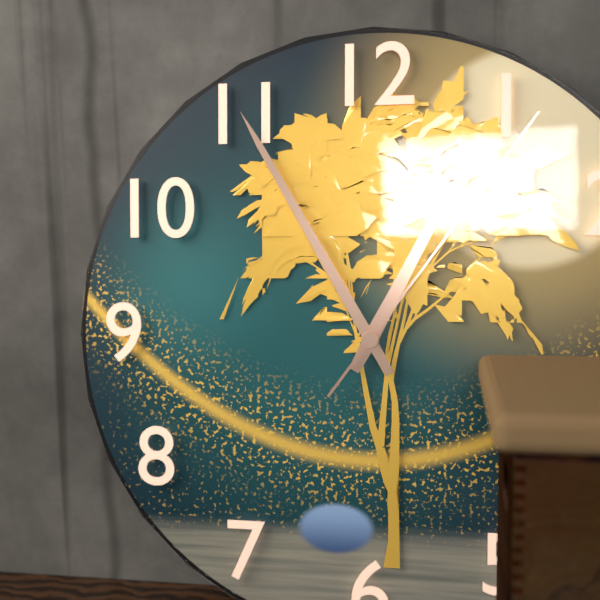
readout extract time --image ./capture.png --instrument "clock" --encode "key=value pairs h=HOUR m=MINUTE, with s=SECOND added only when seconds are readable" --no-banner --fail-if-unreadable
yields h=12 m=55 s=6
